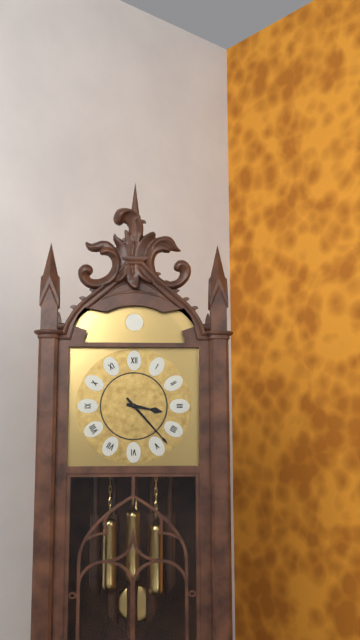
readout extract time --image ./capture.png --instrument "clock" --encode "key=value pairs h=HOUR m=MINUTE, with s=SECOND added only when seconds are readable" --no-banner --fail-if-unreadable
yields h=3 m=23
